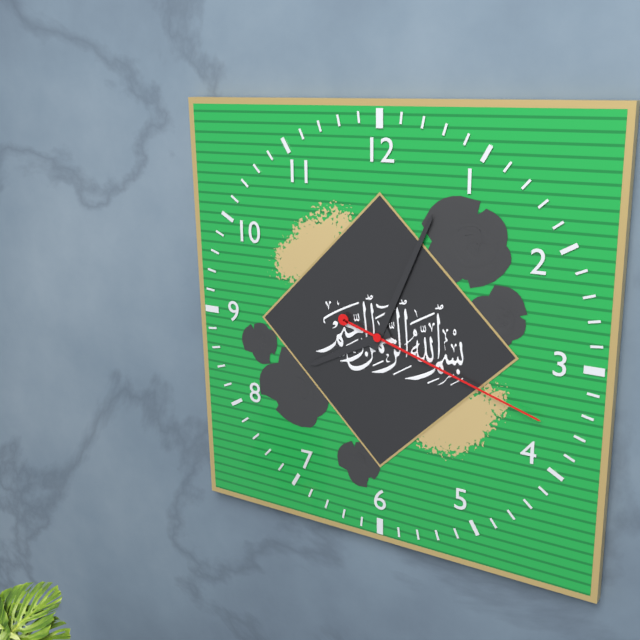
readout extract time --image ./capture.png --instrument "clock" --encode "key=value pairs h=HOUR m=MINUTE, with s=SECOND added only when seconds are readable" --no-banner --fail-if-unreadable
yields h=8 m=4 s=18
